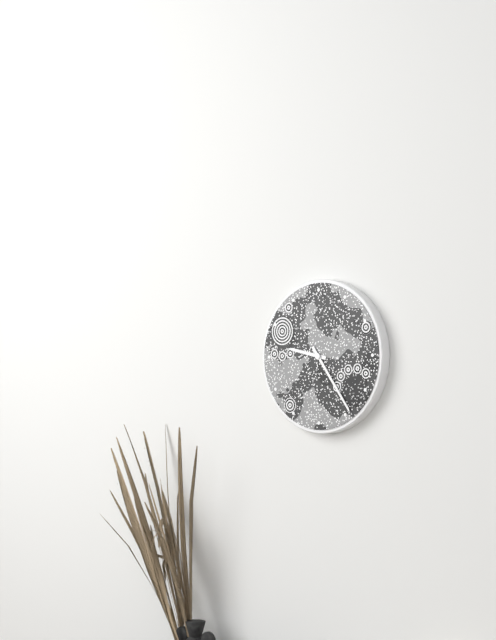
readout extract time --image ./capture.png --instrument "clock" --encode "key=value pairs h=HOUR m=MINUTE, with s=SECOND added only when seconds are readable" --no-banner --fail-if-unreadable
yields h=9 m=24
